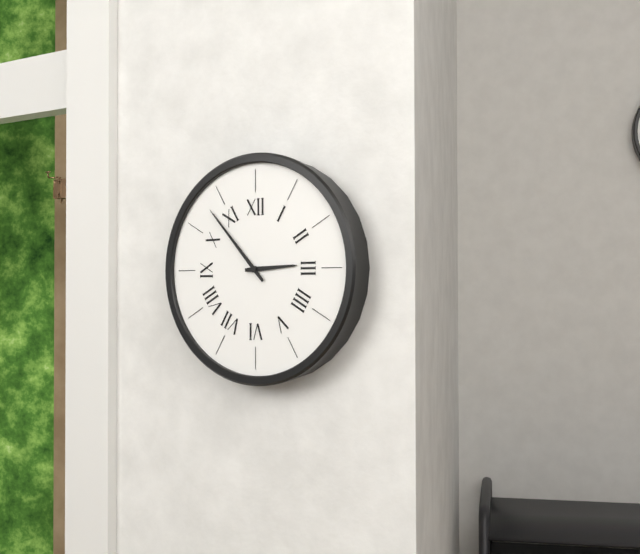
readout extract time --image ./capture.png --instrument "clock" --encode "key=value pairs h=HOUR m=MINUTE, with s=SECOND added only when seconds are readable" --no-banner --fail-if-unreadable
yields h=2 m=53
